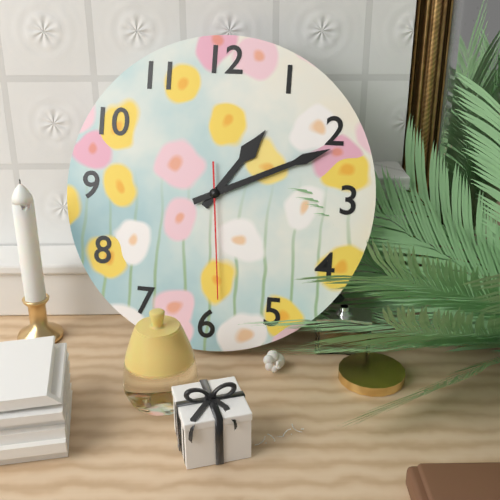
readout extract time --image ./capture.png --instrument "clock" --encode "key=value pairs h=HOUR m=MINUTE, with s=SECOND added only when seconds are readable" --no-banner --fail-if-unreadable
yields h=1 m=11 s=29
